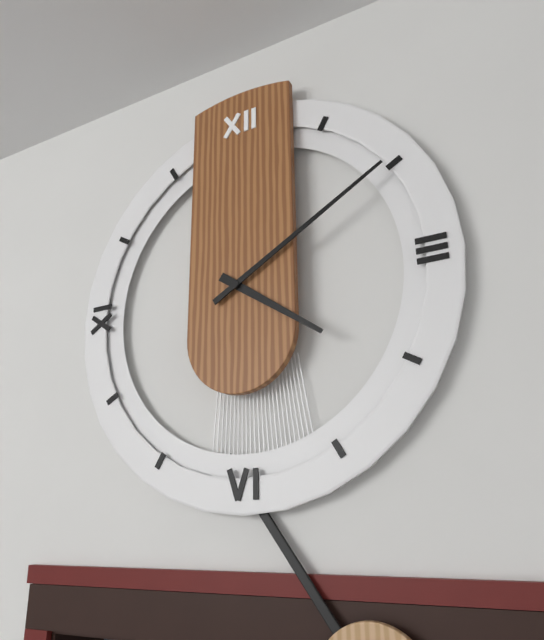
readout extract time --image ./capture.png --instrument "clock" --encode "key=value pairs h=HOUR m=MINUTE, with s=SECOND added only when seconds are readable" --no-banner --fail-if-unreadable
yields h=4 m=10
